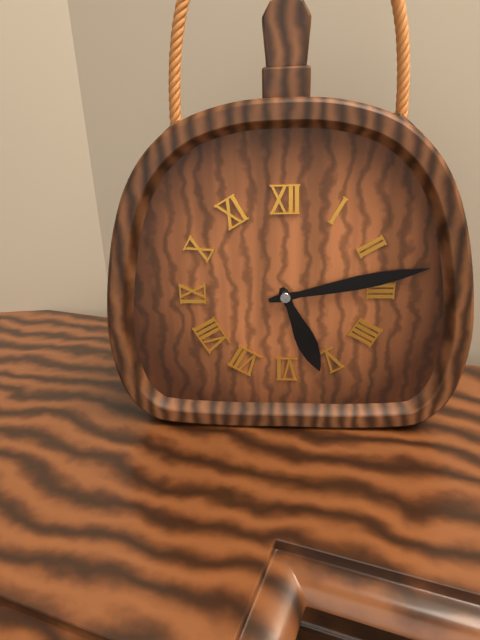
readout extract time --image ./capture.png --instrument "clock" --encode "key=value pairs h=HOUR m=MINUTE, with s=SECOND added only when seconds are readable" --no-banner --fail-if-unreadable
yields h=5 m=13
